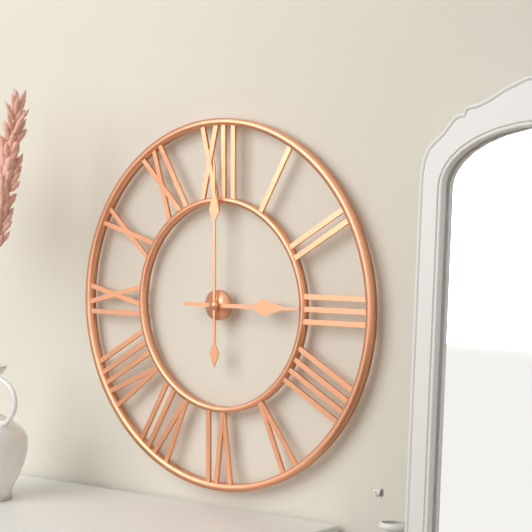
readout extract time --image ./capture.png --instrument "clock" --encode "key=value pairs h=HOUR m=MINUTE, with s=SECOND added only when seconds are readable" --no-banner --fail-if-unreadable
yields h=3 m=0
